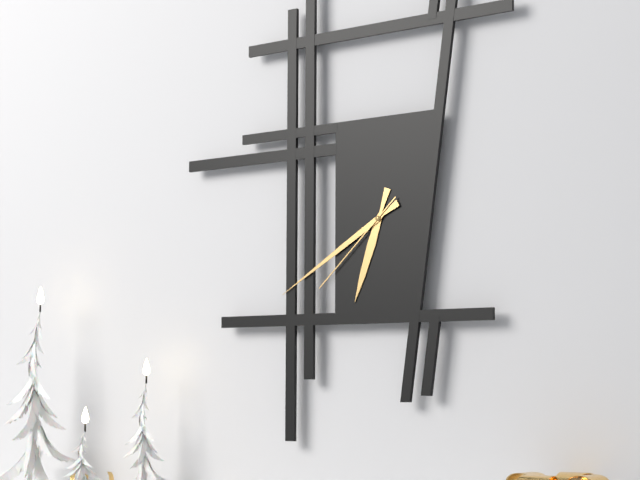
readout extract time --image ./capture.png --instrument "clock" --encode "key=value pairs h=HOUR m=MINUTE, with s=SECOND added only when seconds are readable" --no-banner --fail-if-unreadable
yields h=6 m=40 s=38
